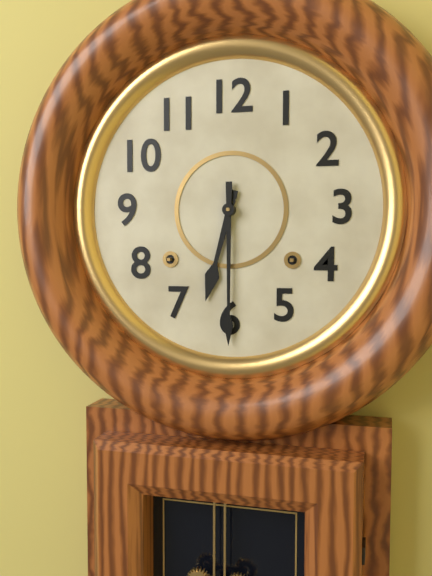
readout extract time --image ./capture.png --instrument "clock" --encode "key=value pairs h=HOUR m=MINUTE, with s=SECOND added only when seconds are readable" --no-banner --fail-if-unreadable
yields h=6 m=30
